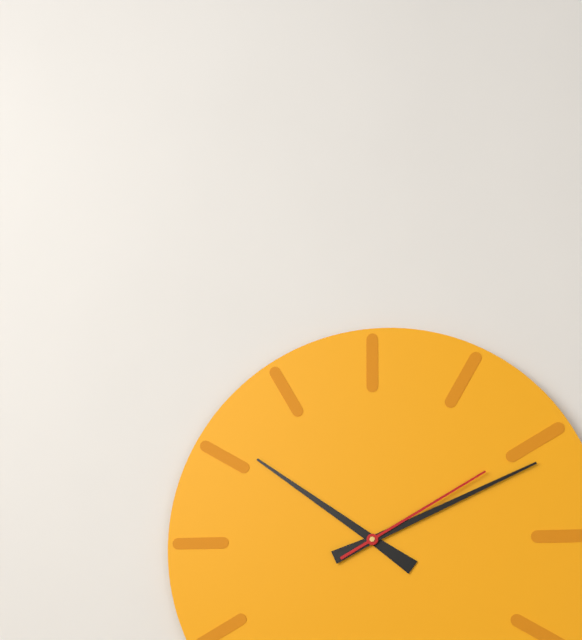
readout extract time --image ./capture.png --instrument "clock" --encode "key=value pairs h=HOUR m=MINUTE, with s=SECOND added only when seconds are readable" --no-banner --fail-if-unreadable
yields h=10 m=11 s=10
